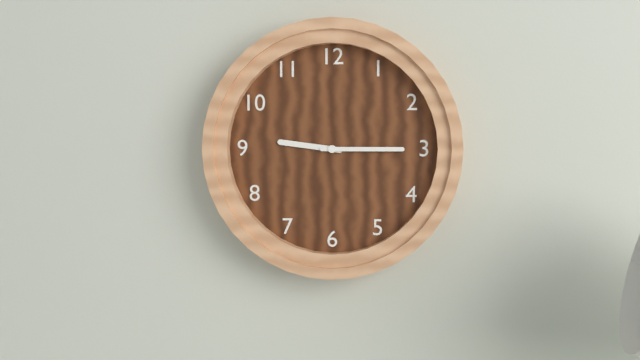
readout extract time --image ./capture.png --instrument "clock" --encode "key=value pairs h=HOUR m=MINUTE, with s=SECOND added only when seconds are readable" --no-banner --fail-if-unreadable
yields h=9 m=15
